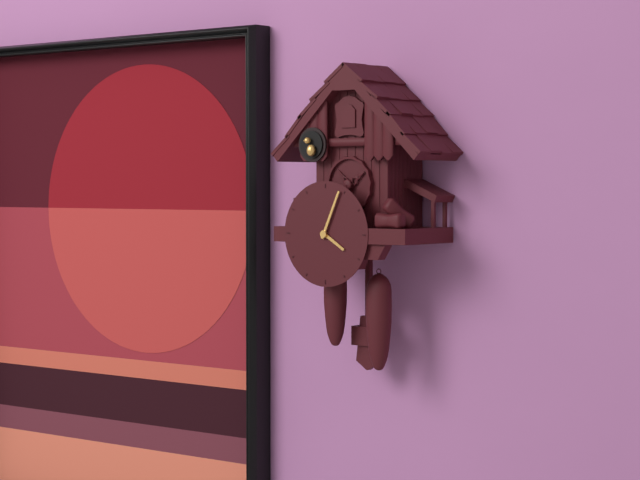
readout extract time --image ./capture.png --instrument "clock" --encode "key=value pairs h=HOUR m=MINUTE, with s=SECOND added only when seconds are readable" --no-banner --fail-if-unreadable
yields h=4 m=4
